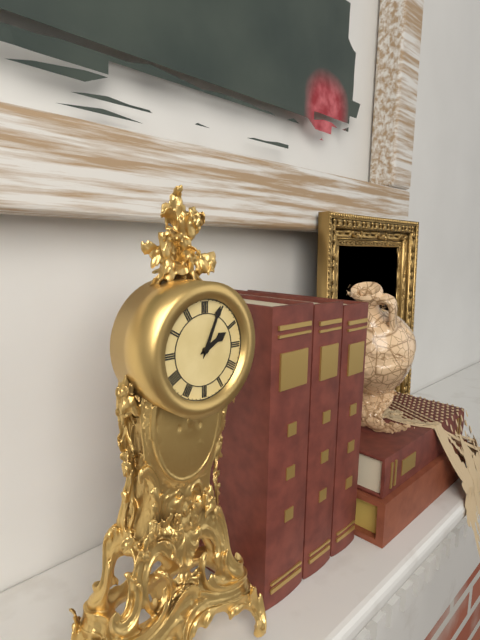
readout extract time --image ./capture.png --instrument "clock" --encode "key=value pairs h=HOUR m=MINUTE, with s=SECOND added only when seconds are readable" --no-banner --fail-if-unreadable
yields h=2 m=4
